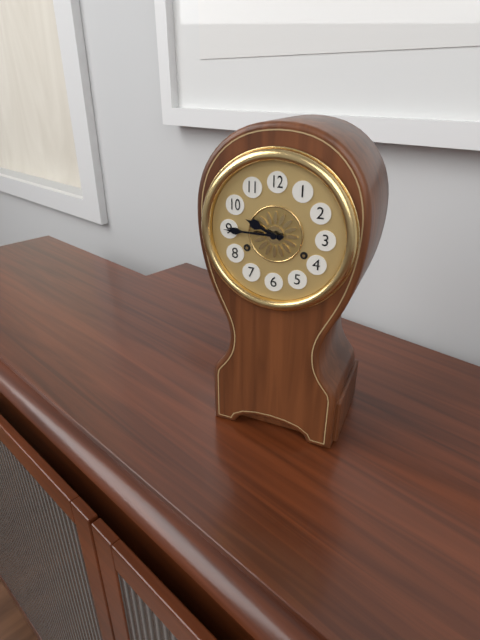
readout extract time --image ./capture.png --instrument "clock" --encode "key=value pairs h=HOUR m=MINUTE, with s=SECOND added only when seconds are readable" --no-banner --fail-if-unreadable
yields h=9 m=45
